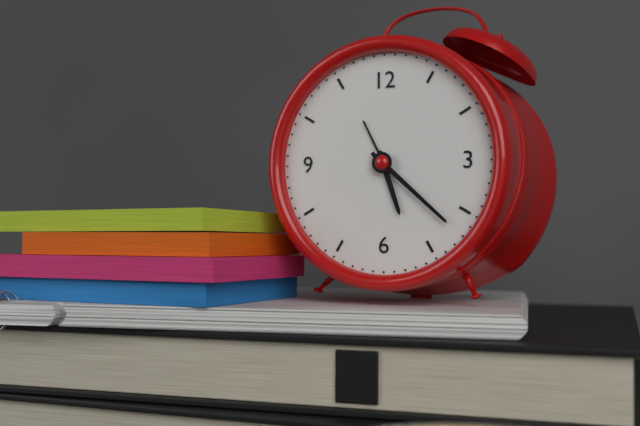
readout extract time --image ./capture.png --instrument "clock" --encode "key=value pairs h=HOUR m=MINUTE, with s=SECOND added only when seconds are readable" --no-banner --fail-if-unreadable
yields h=5 m=22
